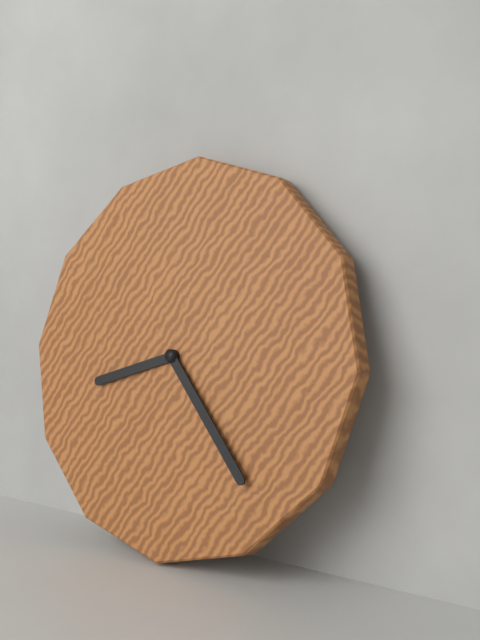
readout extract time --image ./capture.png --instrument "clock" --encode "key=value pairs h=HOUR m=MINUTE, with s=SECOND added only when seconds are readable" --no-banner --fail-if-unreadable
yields h=8 m=23
